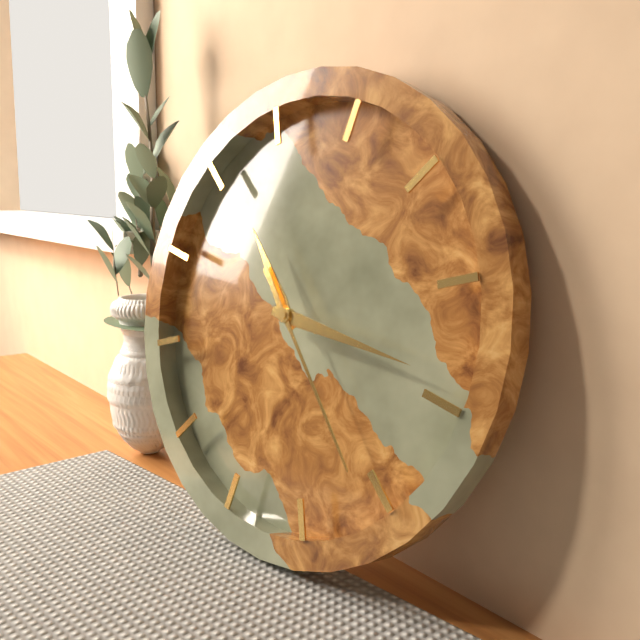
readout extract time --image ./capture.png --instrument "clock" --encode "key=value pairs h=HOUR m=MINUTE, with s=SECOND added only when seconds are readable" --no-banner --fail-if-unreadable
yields h=10 m=14 s=21
